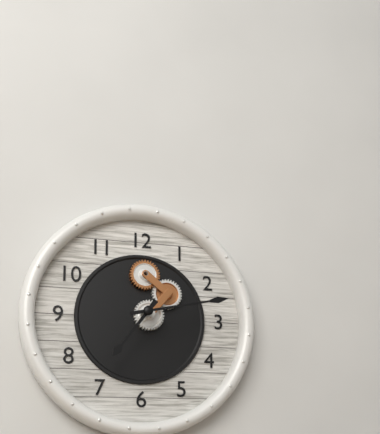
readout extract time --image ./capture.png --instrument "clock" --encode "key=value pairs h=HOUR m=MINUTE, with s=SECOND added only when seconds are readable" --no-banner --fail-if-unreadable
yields h=7 m=13
